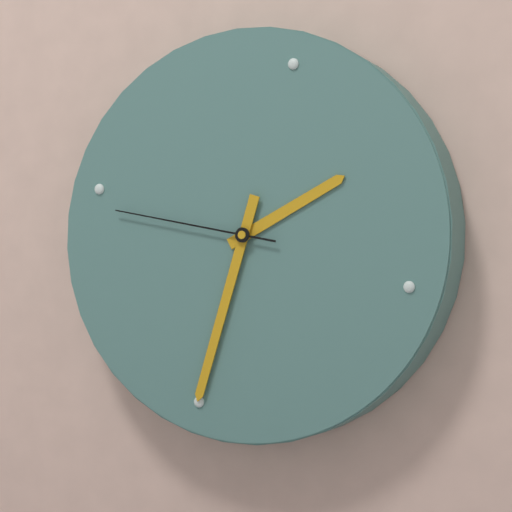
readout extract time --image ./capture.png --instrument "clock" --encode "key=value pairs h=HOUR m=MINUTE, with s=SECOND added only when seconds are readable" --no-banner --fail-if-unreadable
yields h=1 m=30 s=44
